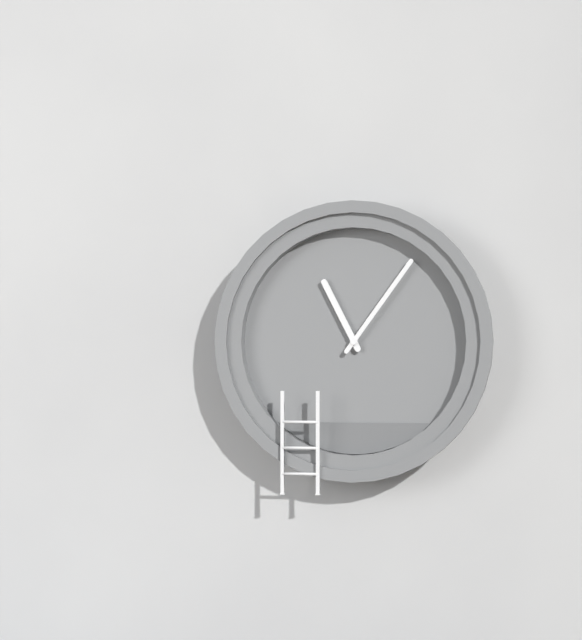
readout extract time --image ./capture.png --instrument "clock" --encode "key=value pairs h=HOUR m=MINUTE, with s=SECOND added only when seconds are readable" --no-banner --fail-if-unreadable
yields h=11 m=6
